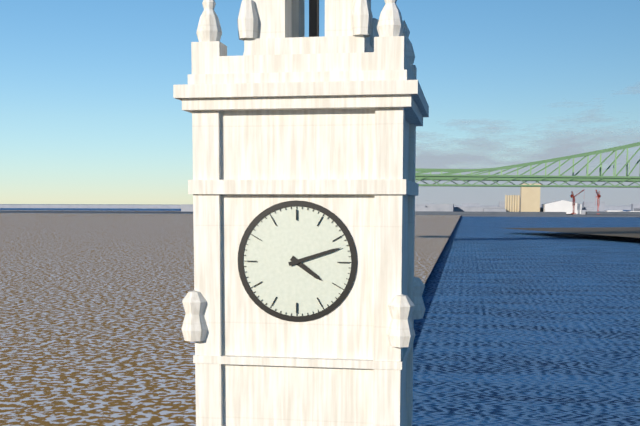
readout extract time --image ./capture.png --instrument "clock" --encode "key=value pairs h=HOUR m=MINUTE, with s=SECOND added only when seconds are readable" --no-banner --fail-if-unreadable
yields h=4 m=12
